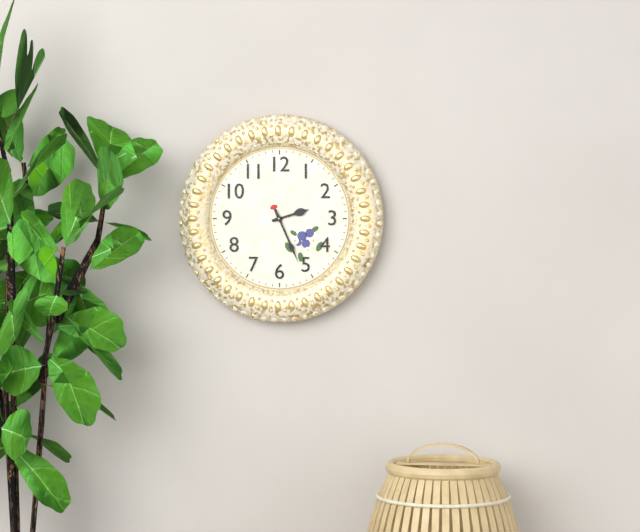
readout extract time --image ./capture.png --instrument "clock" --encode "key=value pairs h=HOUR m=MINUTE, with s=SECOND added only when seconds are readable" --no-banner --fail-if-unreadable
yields h=2 m=26
